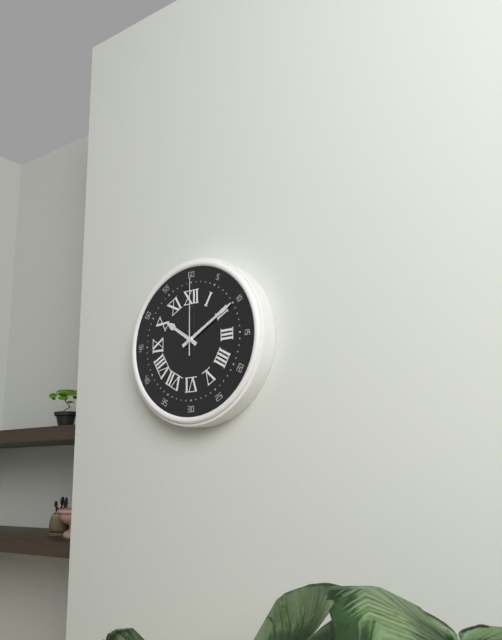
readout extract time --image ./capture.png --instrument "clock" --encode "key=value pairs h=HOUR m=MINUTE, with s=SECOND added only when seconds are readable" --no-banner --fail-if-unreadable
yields h=10 m=10 s=0
